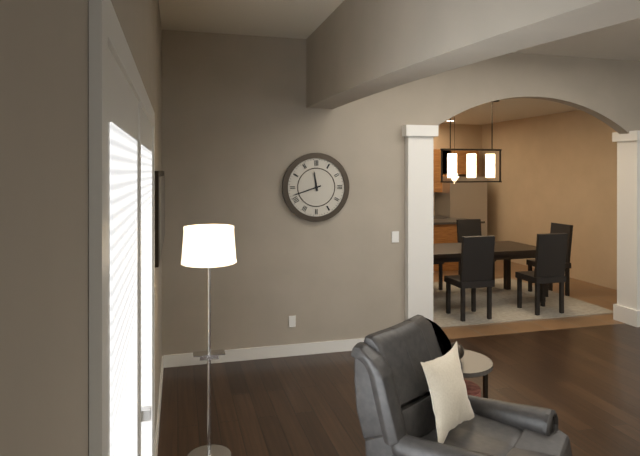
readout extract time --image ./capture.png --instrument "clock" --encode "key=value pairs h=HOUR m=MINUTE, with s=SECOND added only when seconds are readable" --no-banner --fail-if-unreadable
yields h=11 m=42
